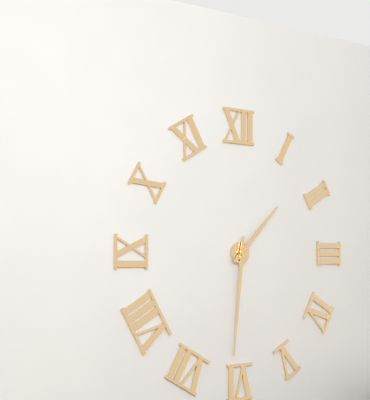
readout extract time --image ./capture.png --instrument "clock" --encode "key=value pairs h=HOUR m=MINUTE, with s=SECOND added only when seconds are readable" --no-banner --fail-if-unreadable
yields h=1 m=31
